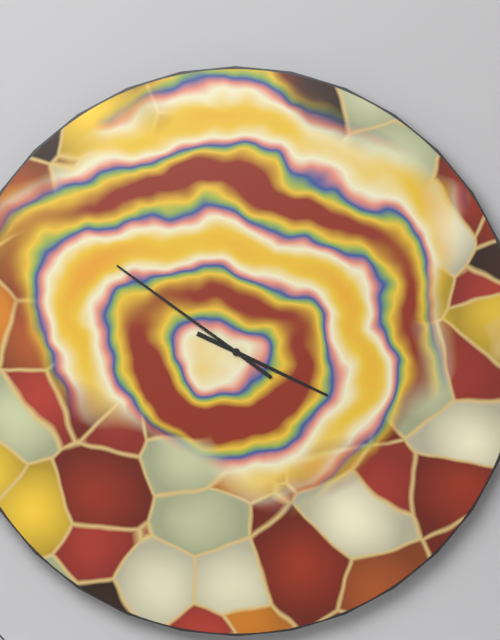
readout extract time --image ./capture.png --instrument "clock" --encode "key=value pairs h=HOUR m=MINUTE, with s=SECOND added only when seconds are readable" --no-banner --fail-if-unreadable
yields h=3 m=51
